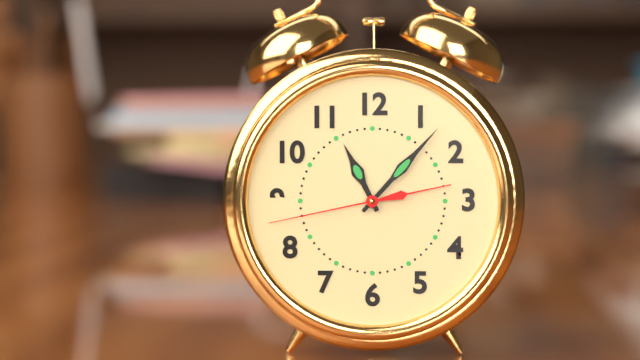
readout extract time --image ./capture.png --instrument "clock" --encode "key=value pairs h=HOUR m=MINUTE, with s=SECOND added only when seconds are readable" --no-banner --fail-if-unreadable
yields h=11 m=7 s=43
